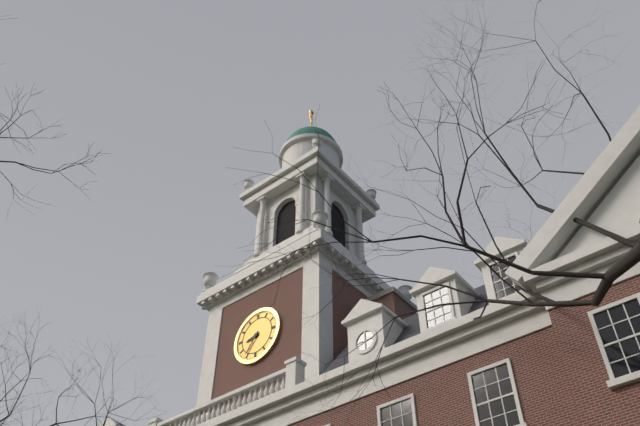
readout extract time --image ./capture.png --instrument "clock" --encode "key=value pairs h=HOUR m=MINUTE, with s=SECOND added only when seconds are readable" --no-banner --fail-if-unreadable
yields h=8 m=36
